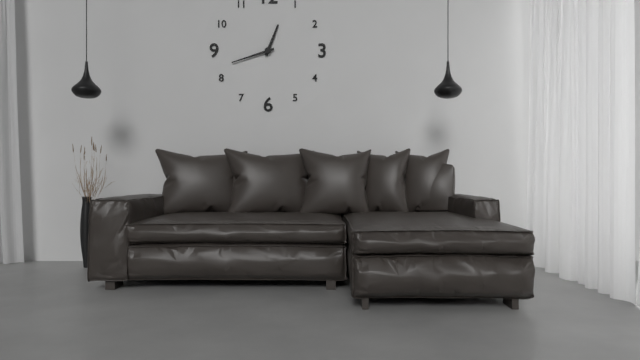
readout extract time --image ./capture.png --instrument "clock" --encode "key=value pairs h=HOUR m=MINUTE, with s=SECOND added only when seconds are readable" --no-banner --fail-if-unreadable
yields h=12 m=42
